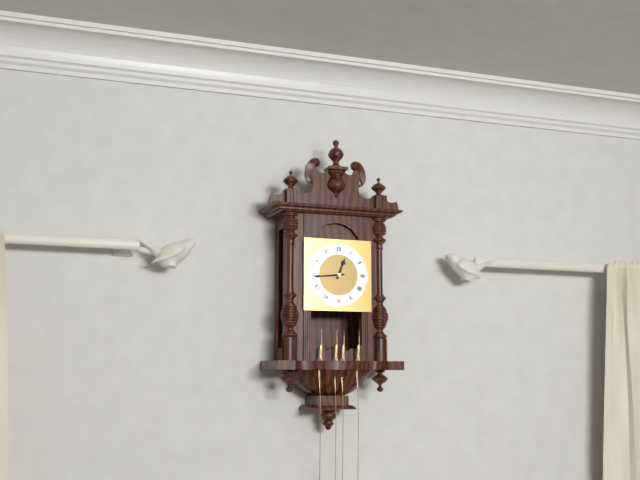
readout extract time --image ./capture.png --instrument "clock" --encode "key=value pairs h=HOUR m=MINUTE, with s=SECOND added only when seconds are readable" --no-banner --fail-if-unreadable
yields h=12 m=44
